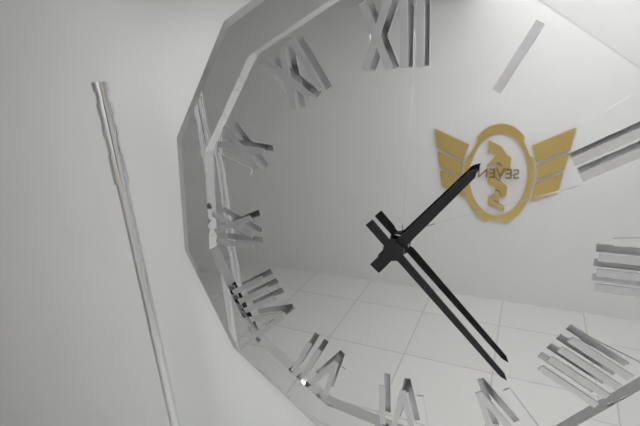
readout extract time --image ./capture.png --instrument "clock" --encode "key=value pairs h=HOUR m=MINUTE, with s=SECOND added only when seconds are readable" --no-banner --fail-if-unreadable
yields h=1 m=23
